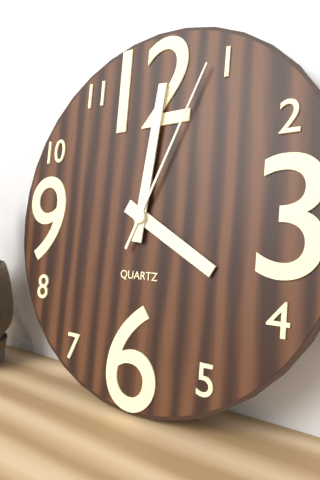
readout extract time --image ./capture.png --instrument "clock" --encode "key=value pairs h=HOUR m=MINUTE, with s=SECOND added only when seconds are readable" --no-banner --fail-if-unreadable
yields h=4 m=1 s=4
